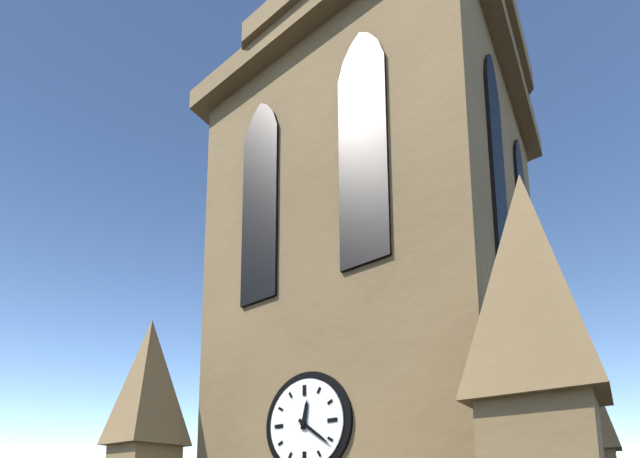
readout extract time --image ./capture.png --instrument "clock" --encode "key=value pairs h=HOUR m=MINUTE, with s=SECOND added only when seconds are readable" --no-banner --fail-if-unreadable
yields h=12 m=21
